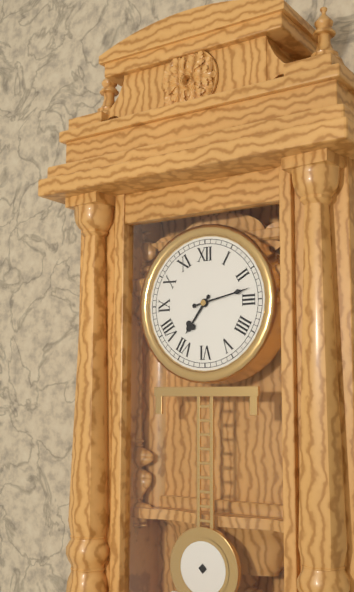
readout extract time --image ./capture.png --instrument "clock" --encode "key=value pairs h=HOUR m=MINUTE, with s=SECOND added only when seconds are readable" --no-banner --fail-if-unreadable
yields h=7 m=13
